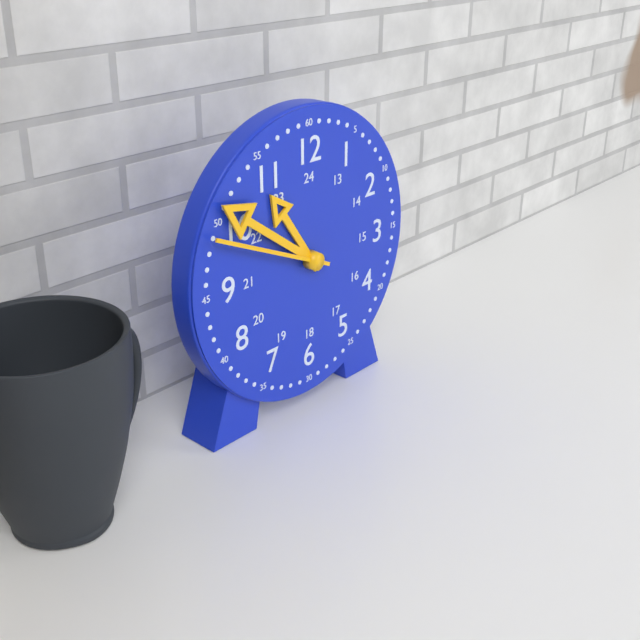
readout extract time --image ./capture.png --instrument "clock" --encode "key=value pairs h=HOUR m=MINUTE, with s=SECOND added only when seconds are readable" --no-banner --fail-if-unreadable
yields h=10 m=51 s=49
